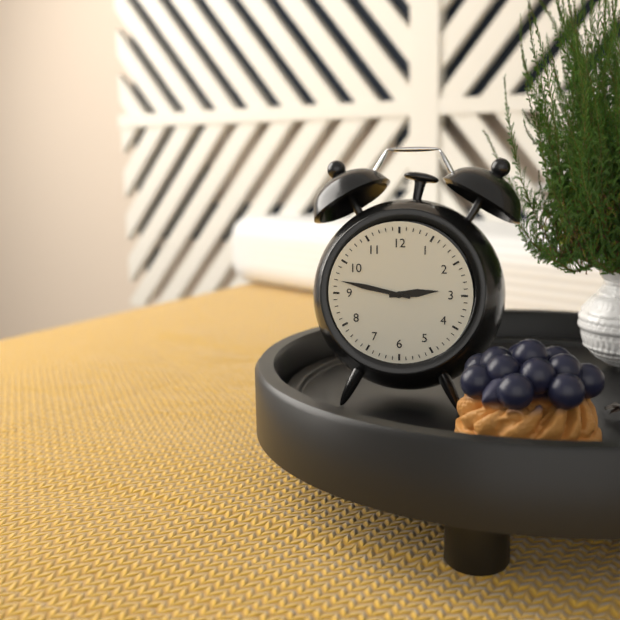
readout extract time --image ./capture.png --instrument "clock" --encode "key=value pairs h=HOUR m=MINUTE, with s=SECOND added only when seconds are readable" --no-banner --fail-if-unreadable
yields h=2 m=47
